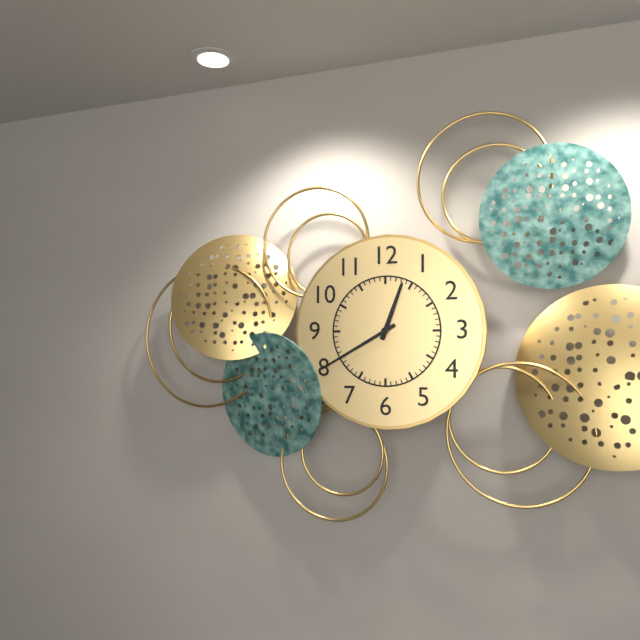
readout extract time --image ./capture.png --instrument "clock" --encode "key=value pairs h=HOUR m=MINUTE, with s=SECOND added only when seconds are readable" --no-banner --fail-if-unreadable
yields h=12 m=40
